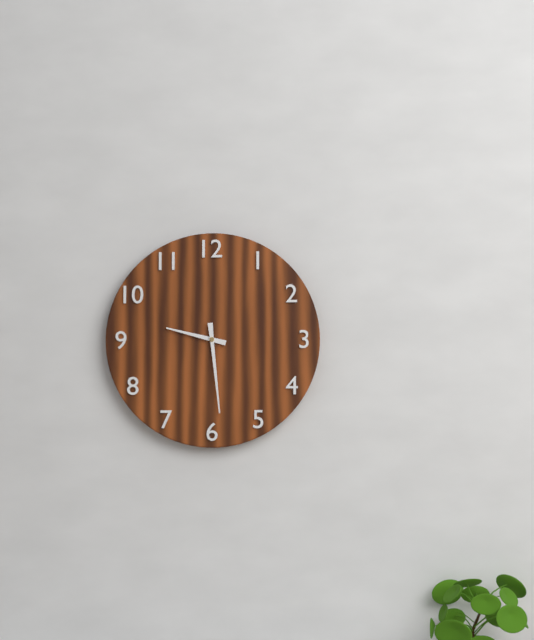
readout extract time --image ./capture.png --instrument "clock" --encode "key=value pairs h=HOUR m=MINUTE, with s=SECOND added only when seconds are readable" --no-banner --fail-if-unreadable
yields h=9 m=29
